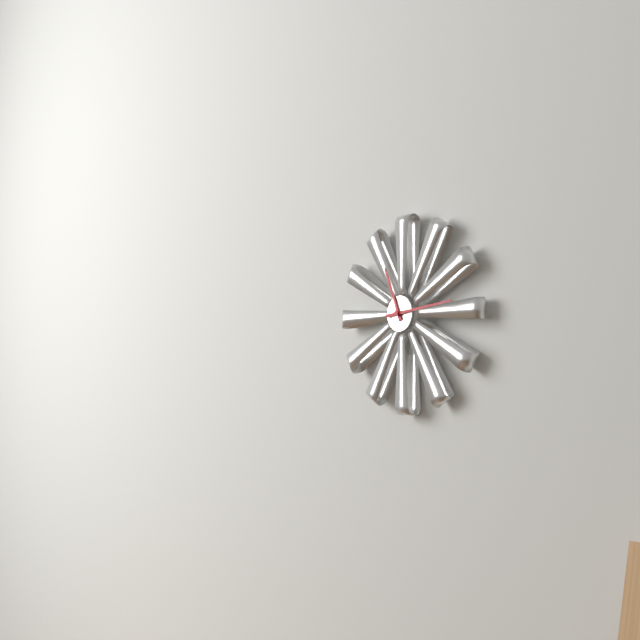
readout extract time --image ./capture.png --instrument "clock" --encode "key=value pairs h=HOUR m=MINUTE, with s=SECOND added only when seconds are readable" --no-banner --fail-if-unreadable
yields h=11 m=14
